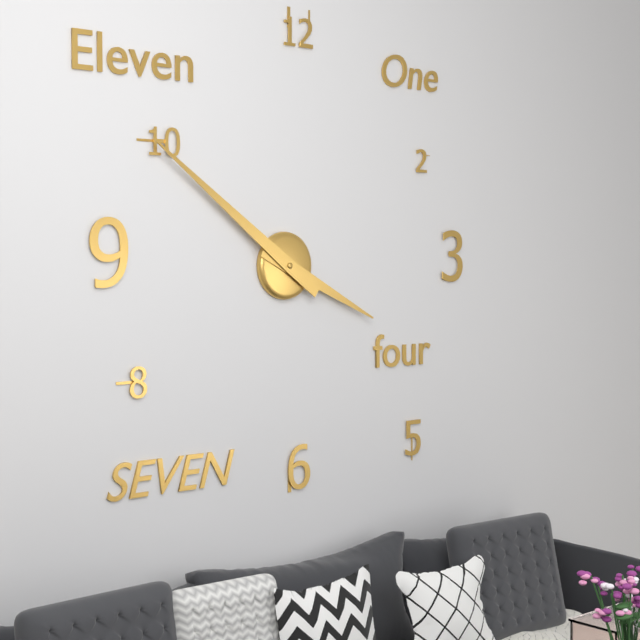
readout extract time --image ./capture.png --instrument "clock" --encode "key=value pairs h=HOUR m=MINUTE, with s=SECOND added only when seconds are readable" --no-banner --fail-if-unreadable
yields h=3 m=51
